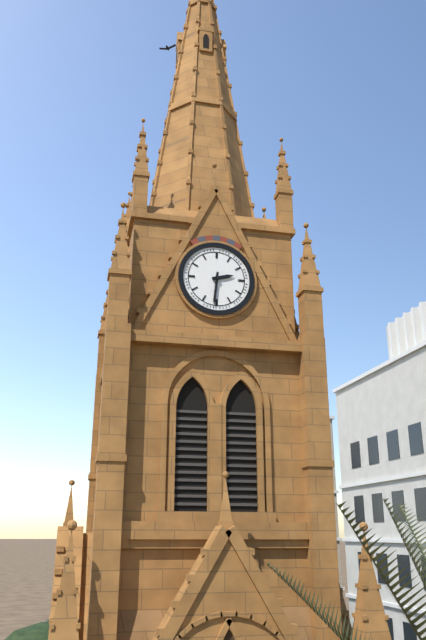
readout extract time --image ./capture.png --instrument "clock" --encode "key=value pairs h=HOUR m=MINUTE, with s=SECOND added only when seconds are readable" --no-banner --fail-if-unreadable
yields h=2 m=31
